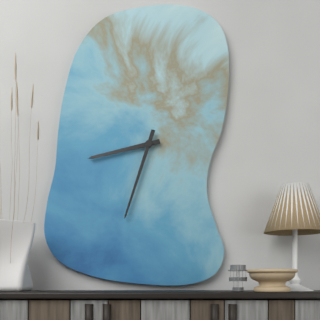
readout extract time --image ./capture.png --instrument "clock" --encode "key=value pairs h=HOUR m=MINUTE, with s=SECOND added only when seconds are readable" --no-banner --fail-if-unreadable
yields h=8 m=33
